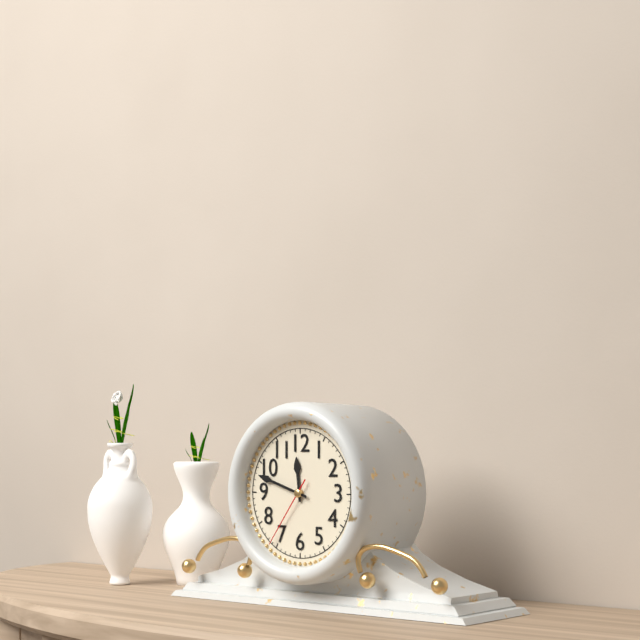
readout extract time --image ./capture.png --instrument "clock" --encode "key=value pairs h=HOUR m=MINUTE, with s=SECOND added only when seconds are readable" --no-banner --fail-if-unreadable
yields h=11 m=48 s=36
